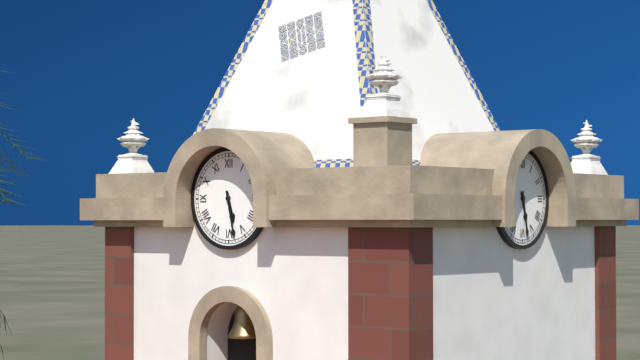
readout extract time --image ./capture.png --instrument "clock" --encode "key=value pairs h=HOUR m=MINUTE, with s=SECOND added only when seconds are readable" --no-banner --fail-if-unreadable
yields h=5 m=28
